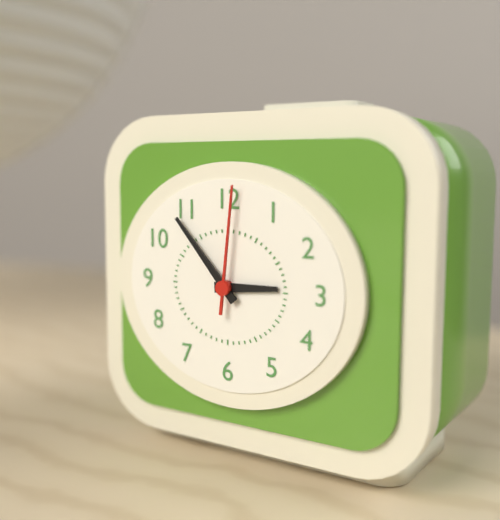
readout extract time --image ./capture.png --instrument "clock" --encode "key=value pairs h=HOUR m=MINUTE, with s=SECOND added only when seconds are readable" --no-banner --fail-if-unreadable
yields h=2 m=53 s=1
